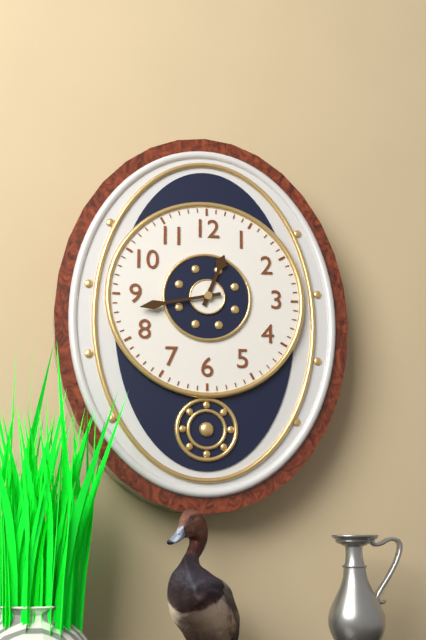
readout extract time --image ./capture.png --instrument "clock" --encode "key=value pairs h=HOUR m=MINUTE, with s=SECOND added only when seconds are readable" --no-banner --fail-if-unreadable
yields h=12 m=43
